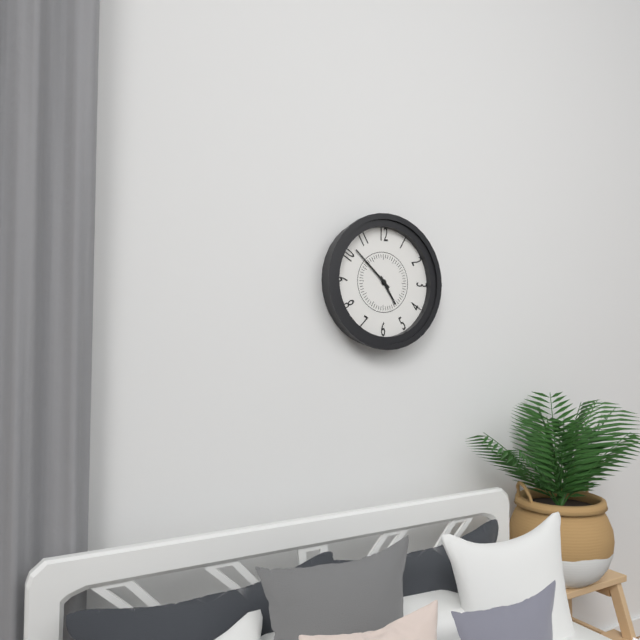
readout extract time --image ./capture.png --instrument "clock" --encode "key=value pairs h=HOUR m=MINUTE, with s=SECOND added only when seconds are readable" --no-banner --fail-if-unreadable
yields h=4 m=52
